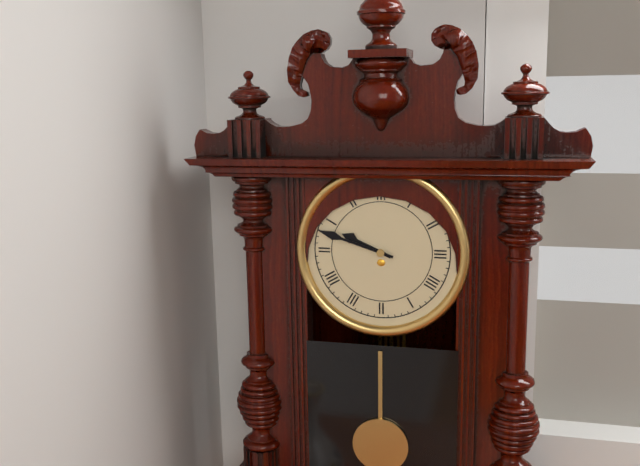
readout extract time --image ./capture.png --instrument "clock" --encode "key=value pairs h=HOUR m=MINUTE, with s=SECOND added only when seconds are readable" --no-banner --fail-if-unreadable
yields h=9 m=48
